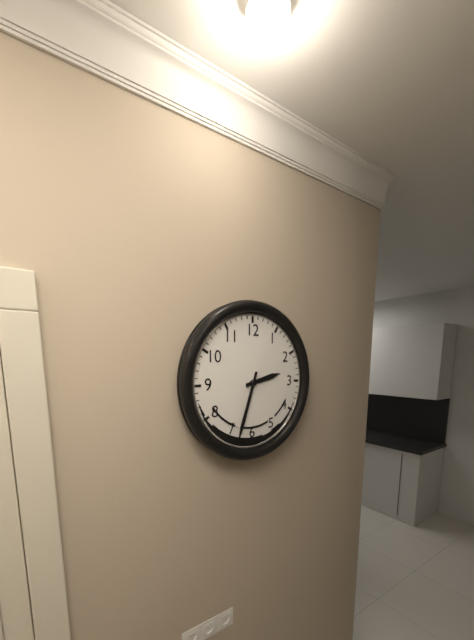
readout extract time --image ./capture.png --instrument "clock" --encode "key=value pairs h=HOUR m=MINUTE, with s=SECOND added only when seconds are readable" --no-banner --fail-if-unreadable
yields h=2 m=33
